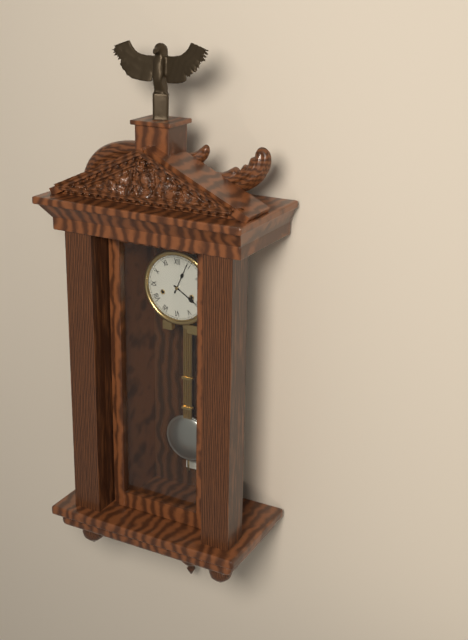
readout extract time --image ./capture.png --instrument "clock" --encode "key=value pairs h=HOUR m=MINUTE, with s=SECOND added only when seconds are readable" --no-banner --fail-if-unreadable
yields h=4 m=4
